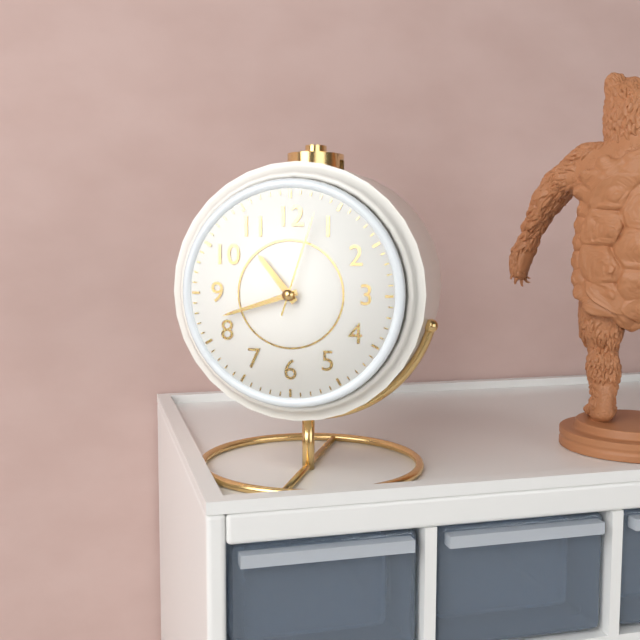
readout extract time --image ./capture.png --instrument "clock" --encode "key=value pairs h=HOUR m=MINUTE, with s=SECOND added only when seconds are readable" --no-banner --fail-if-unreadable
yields h=10 m=42 s=3
